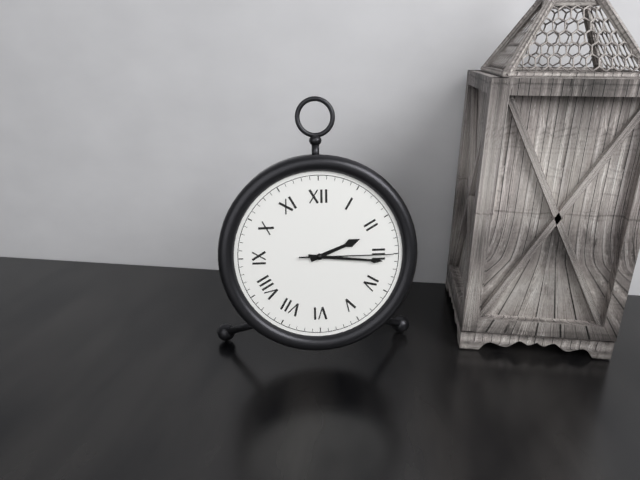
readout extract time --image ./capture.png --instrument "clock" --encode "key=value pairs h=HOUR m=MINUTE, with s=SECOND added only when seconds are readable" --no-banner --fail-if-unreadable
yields h=2 m=16 s=15
